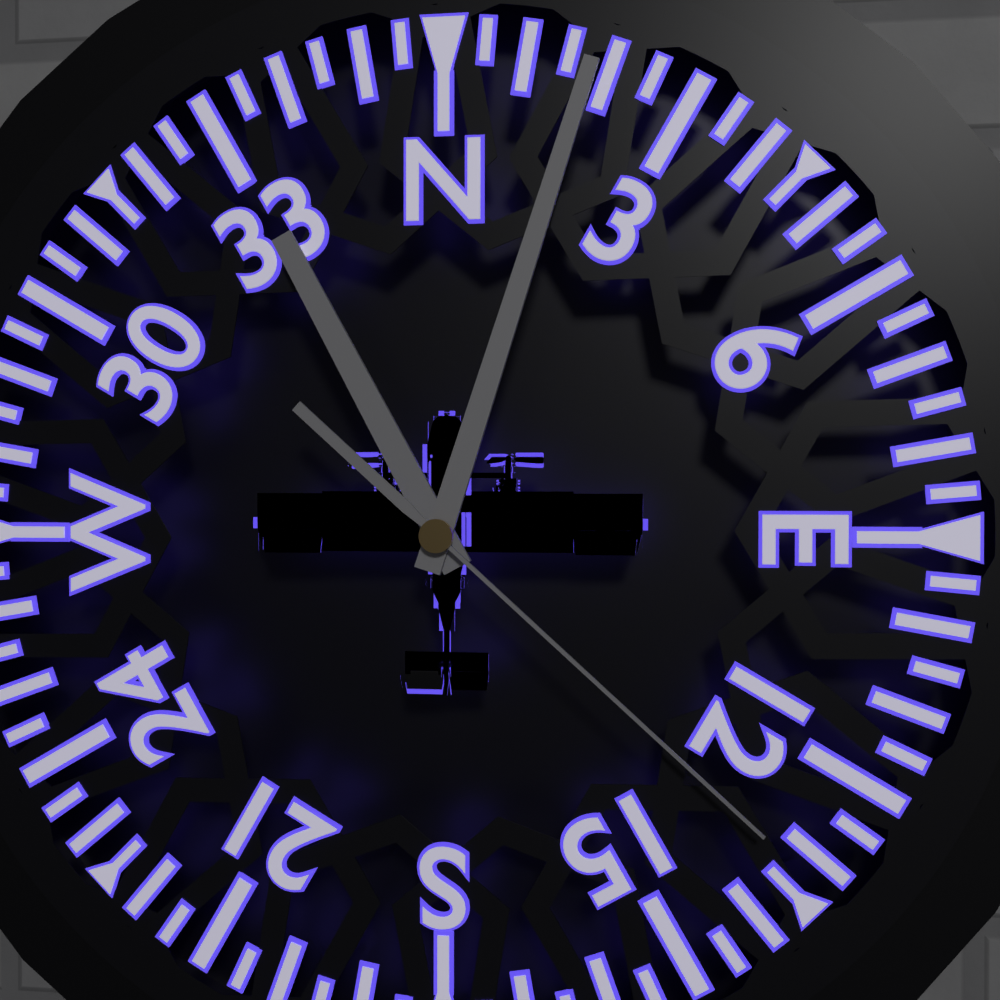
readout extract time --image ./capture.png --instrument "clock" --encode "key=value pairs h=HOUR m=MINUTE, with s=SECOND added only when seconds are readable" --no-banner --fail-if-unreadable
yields h=11 m=3 s=22
